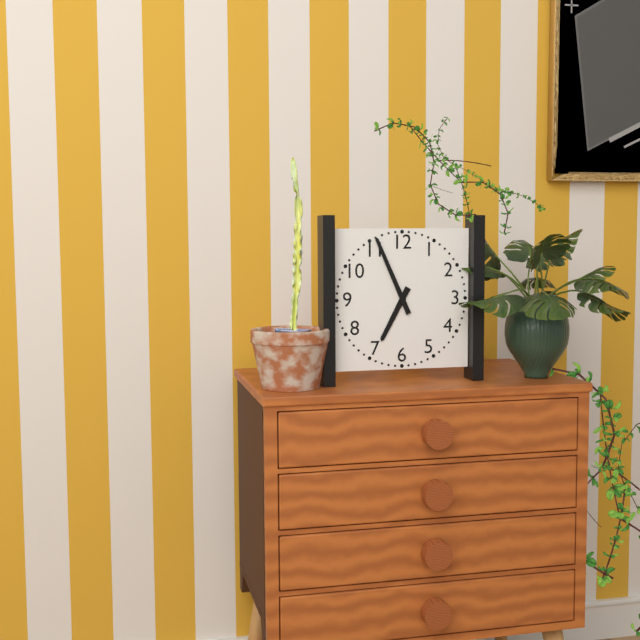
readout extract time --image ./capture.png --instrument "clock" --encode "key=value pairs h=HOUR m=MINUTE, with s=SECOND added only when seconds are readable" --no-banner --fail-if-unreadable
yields h=6 m=56
